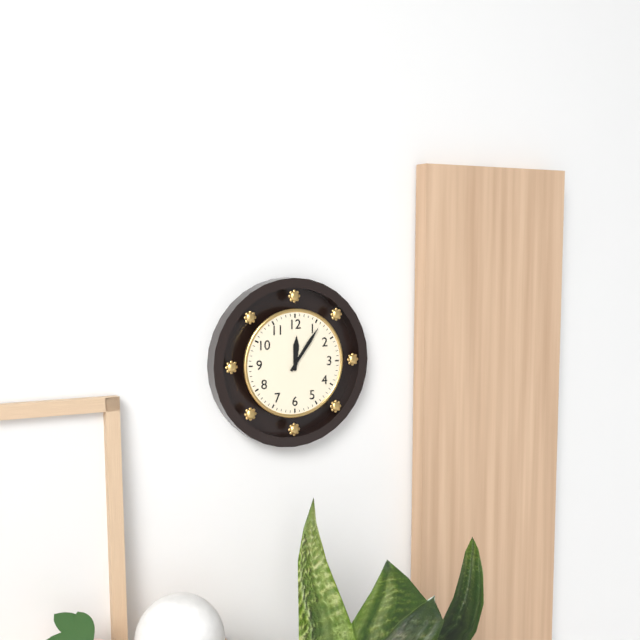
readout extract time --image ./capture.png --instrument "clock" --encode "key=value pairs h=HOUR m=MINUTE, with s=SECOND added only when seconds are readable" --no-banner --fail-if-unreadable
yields h=12 m=6
